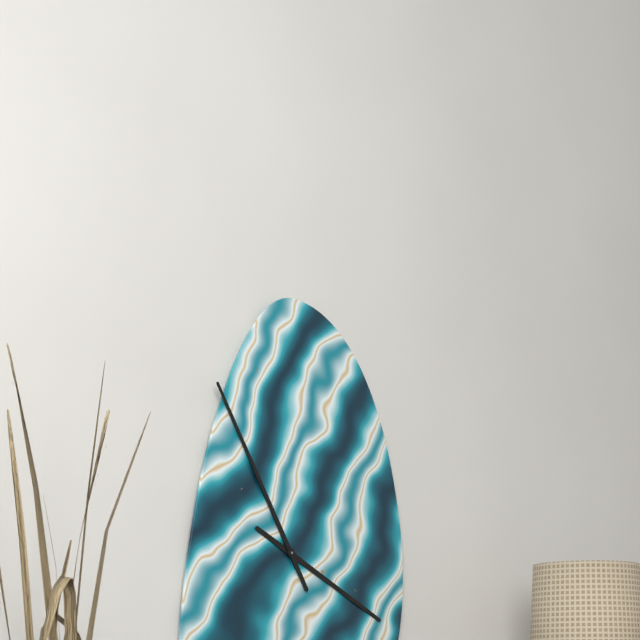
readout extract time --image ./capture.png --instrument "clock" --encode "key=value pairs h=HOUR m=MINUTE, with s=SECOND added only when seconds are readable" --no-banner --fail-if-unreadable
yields h=3 m=55
